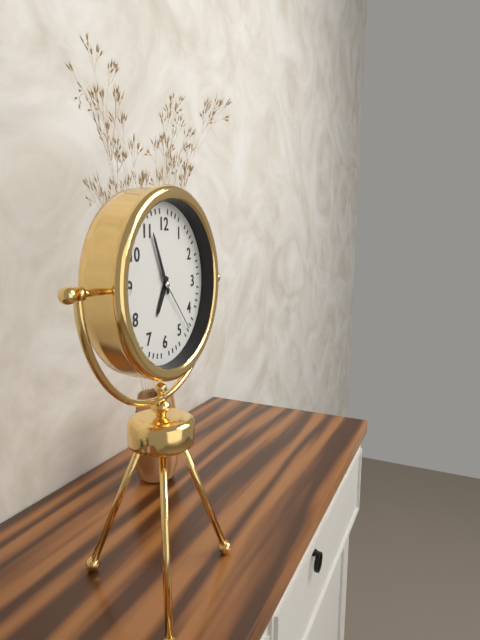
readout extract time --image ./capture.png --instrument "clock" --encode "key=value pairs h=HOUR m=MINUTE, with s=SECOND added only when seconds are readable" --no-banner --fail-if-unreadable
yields h=6 m=56 s=23
